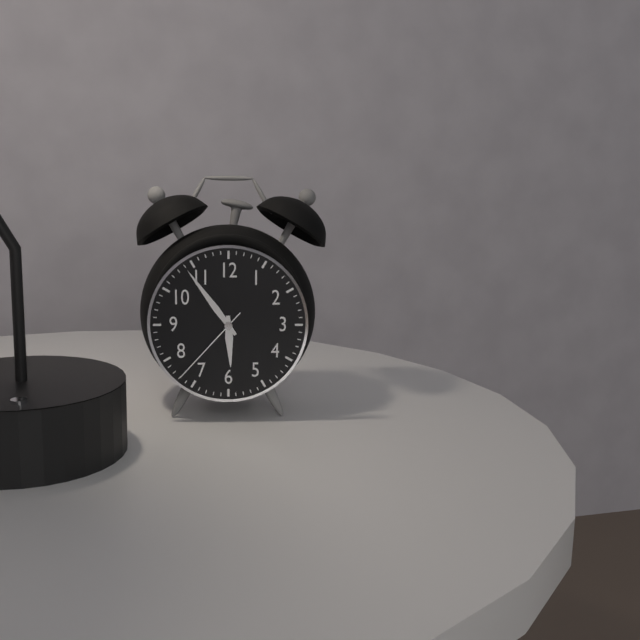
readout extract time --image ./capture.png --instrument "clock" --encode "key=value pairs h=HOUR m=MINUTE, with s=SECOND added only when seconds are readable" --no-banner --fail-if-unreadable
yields h=5 m=54 s=37
